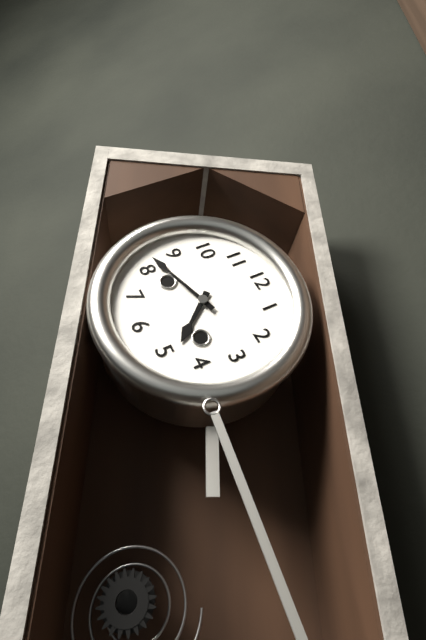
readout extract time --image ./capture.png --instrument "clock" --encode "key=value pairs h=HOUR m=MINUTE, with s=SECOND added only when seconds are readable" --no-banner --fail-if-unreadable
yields h=4 m=42
